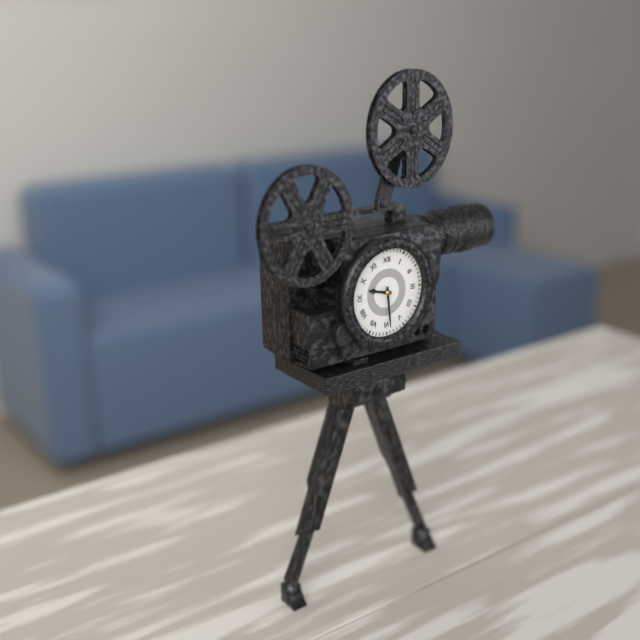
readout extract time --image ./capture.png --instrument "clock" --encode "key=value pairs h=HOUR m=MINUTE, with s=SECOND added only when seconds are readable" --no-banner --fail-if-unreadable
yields h=9 m=29
